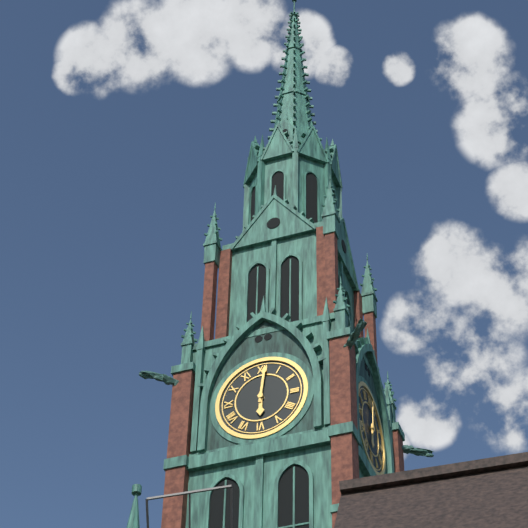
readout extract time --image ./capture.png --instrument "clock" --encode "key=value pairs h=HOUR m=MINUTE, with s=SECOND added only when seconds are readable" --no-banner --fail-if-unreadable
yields h=6 m=1
